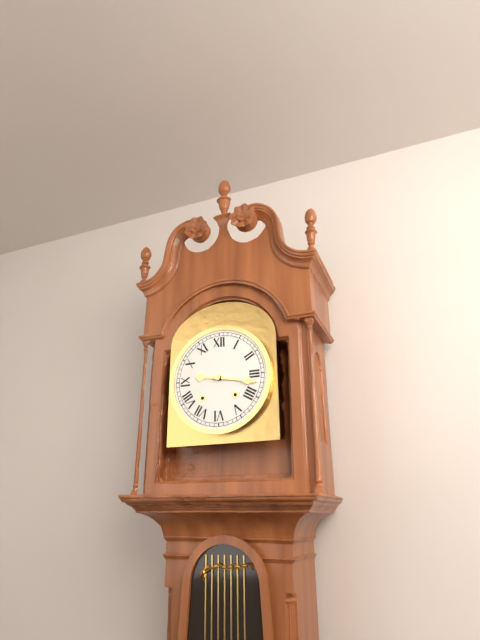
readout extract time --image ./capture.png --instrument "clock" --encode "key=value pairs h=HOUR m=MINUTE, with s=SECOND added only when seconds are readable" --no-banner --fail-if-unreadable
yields h=9 m=17
